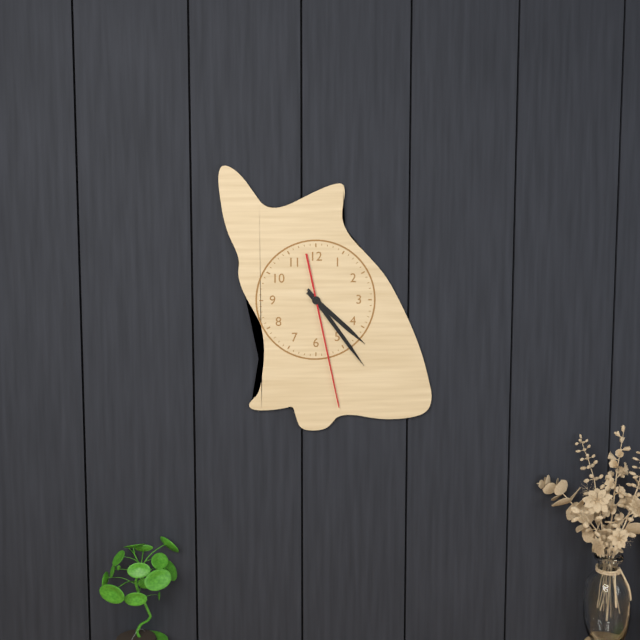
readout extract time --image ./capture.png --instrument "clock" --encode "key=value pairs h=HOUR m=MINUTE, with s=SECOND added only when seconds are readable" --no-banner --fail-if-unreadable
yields h=4 m=24 s=28
